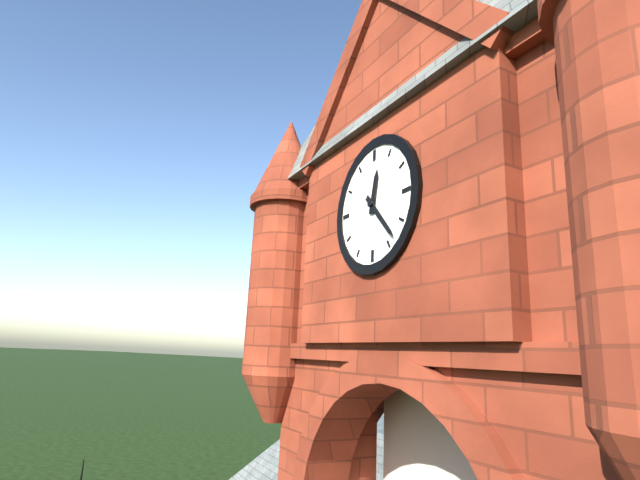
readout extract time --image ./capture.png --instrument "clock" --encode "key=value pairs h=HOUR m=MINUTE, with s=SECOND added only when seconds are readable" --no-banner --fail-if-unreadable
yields h=12 m=23
